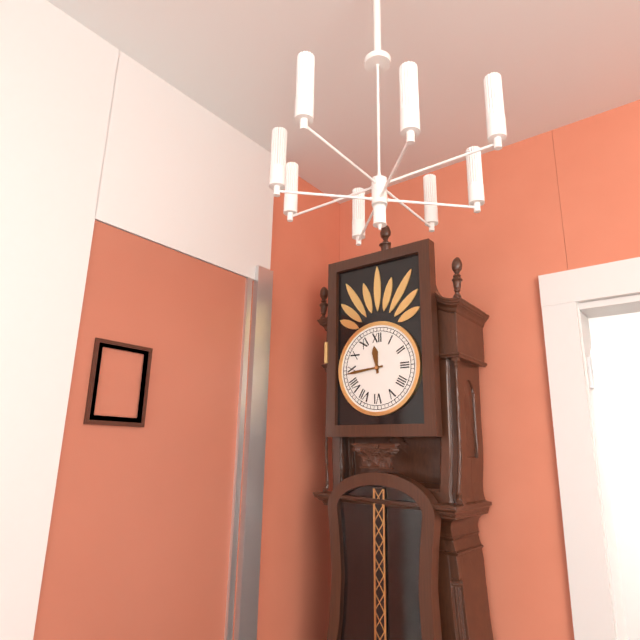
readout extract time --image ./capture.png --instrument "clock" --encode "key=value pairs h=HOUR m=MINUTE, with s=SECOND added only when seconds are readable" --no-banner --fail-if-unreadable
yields h=11 m=44
